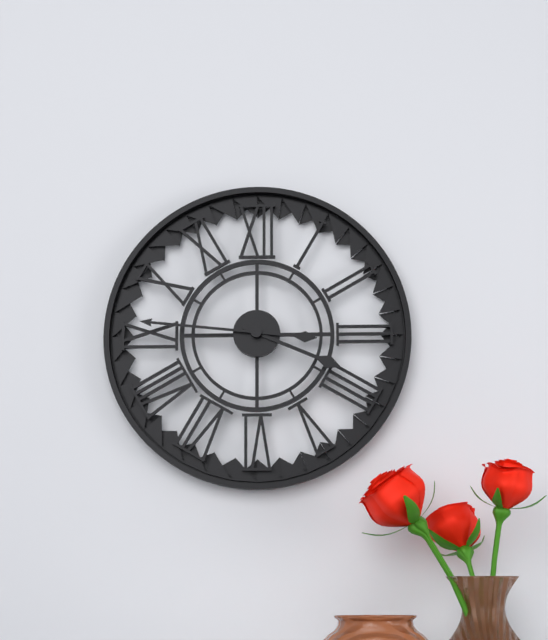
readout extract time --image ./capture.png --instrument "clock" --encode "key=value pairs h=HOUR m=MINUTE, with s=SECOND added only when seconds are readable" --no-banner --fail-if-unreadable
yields h=3 m=46
